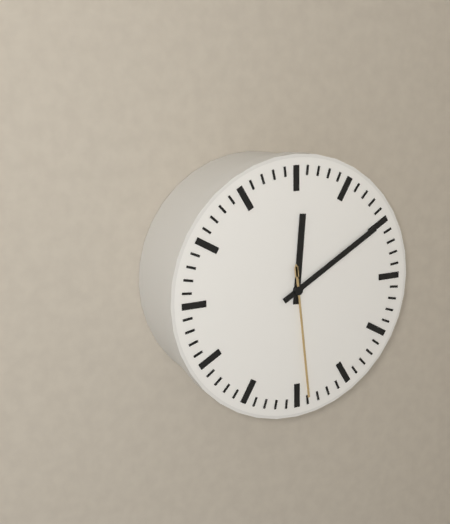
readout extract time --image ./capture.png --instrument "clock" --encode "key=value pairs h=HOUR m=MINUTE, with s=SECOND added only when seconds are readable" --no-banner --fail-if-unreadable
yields h=12 m=10 s=29
